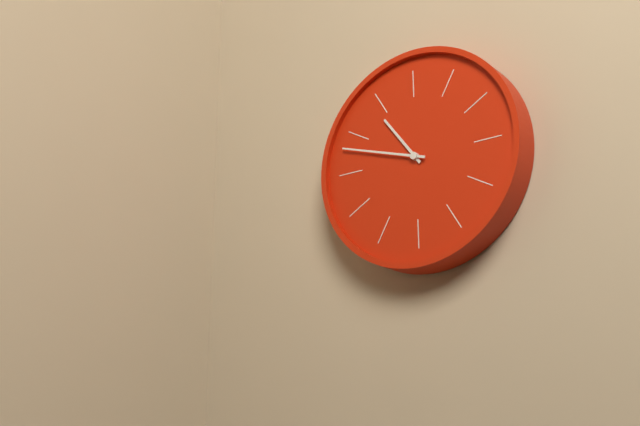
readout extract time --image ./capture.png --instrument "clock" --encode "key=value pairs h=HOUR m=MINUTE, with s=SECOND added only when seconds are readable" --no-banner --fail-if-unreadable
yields h=10 m=48
